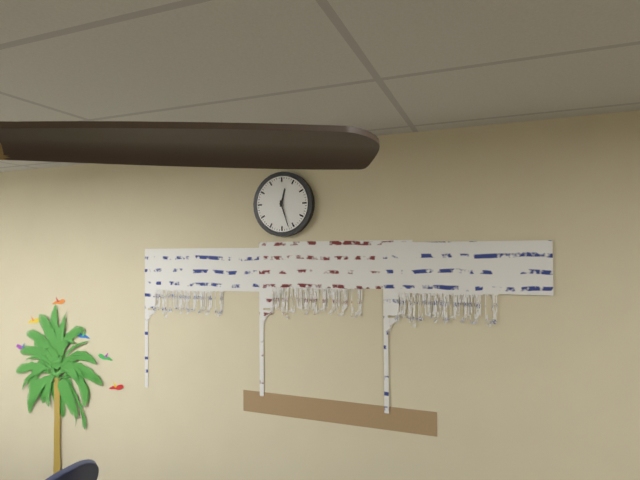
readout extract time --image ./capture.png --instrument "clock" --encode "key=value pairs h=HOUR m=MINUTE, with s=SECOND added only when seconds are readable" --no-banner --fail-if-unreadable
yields h=12 m=27
